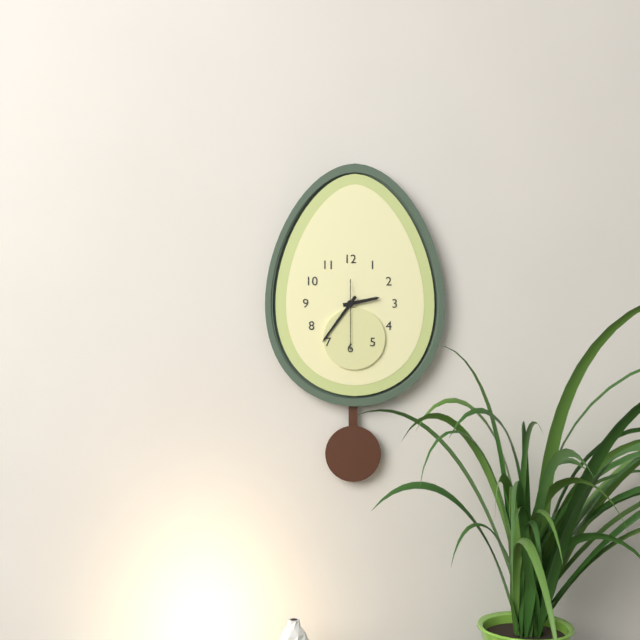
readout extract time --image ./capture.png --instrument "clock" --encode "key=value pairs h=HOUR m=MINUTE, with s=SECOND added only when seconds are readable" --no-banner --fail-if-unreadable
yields h=2 m=36 s=30
